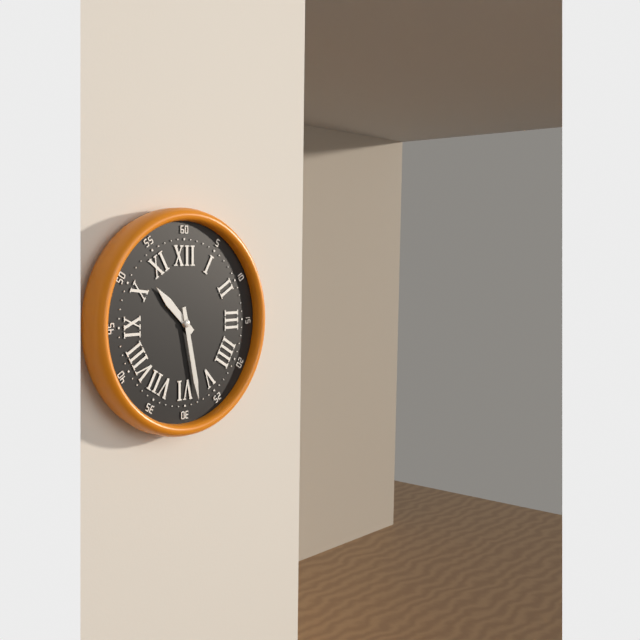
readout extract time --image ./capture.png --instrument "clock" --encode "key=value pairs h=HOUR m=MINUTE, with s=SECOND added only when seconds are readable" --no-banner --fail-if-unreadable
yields h=10 m=28
